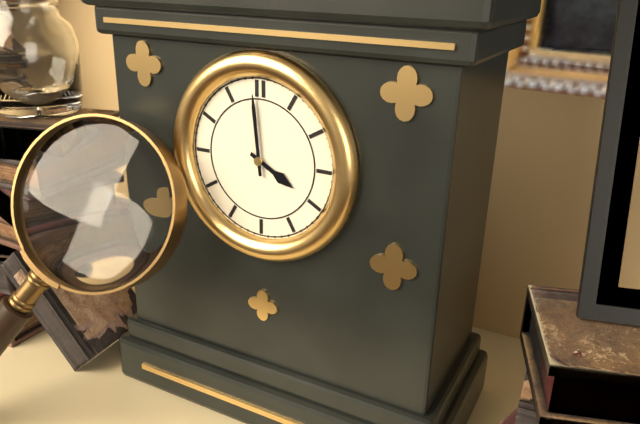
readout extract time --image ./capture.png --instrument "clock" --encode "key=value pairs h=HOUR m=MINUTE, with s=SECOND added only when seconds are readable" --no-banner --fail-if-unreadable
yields h=3 m=59
